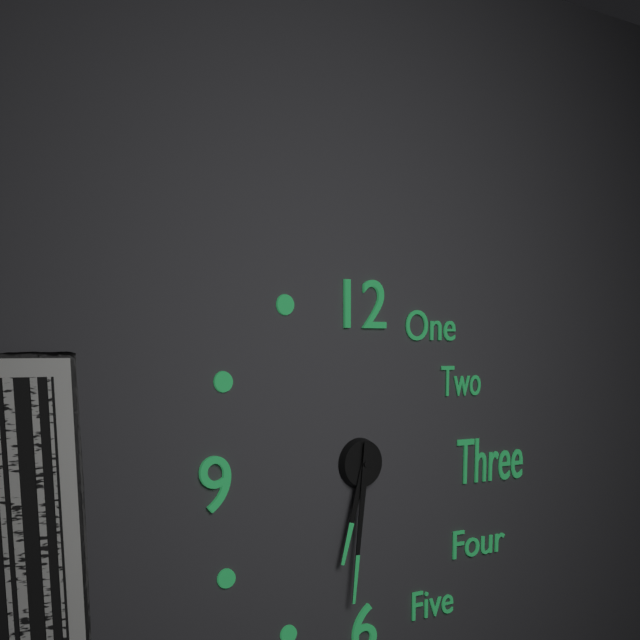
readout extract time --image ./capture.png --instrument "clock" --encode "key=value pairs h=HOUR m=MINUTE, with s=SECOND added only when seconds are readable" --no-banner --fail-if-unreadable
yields h=6 m=31
